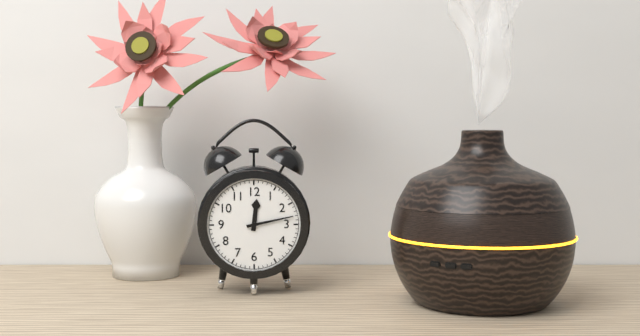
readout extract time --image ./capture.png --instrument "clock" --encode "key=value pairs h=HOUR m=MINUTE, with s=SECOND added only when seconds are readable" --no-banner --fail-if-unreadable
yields h=12 m=13
